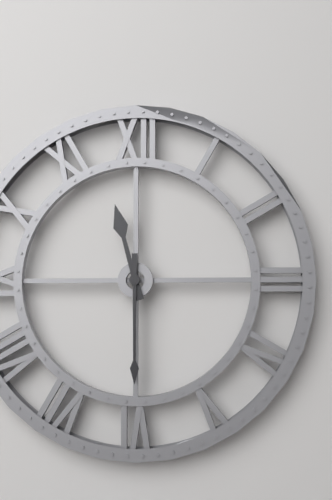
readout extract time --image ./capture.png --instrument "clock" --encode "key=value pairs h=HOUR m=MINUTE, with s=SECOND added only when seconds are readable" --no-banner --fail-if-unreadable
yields h=11 m=30
